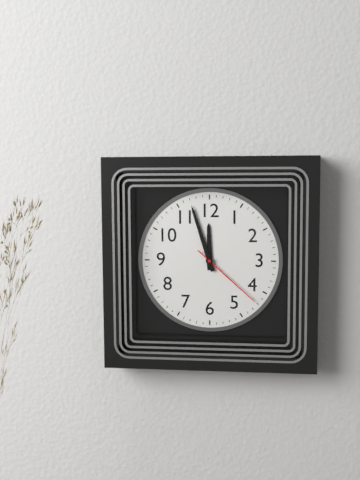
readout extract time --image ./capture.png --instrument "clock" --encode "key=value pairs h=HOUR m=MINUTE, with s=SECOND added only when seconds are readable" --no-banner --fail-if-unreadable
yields h=11 m=57 s=22
